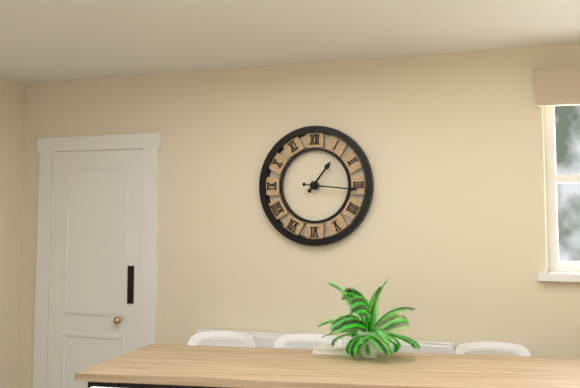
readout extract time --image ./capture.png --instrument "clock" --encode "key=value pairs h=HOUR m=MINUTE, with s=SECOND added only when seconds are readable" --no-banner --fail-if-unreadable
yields h=1 m=16
